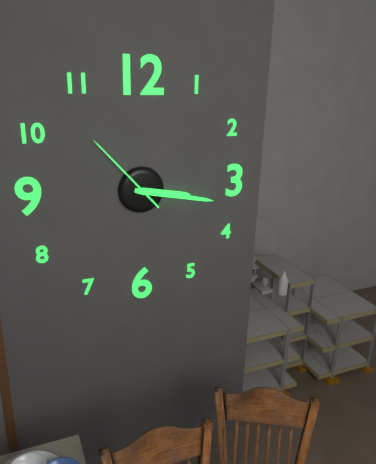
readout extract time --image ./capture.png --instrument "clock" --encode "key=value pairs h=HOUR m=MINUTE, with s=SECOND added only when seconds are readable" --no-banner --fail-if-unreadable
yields h=3 m=17 s=53
